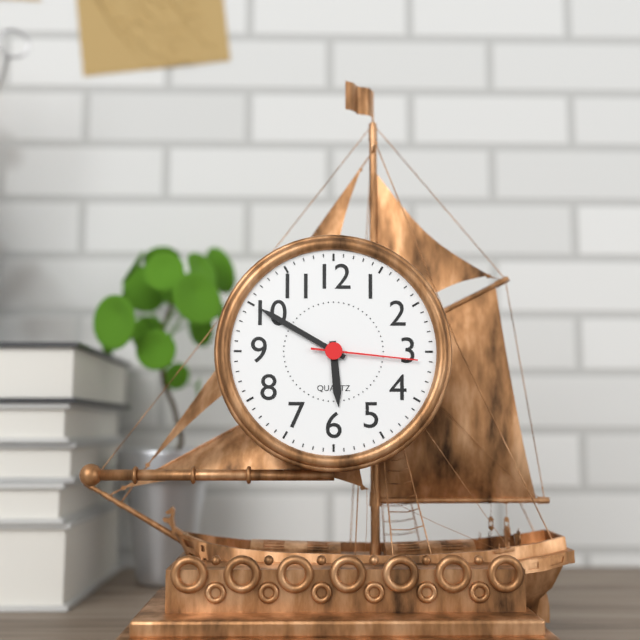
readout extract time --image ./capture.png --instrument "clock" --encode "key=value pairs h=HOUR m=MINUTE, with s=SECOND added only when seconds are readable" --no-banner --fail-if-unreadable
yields h=5 m=50 s=16
